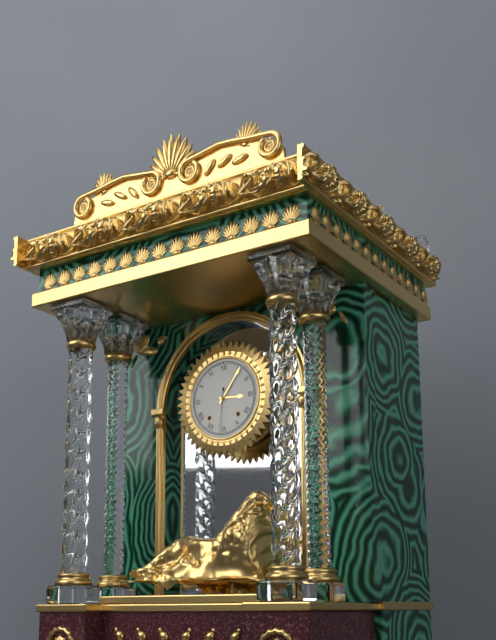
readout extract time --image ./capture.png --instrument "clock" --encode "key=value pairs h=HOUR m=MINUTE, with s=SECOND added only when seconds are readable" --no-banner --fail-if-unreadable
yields h=3 m=6
